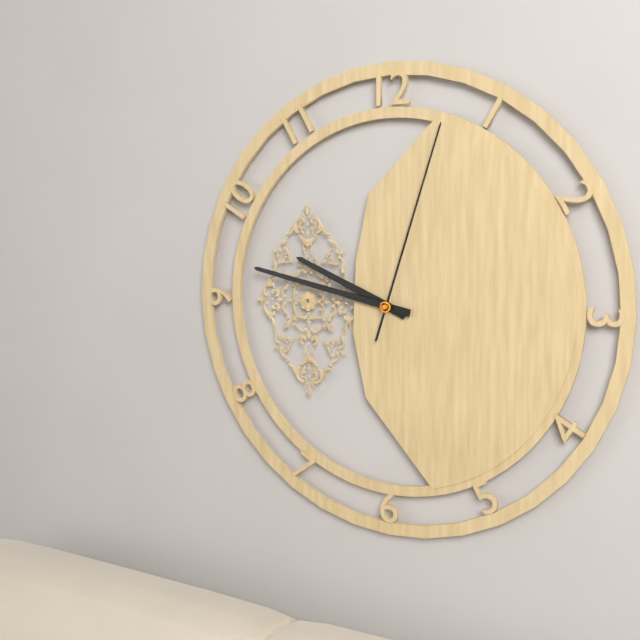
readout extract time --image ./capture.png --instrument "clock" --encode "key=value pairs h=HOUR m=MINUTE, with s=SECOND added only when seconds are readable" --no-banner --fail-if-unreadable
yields h=9 m=47 s=3
